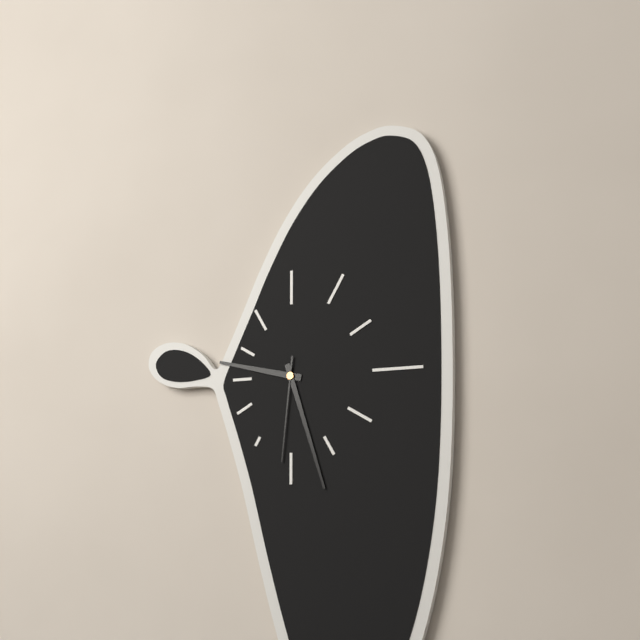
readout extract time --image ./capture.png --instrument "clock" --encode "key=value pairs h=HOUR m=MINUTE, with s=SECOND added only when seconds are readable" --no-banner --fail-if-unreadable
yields h=9 m=27 s=31
